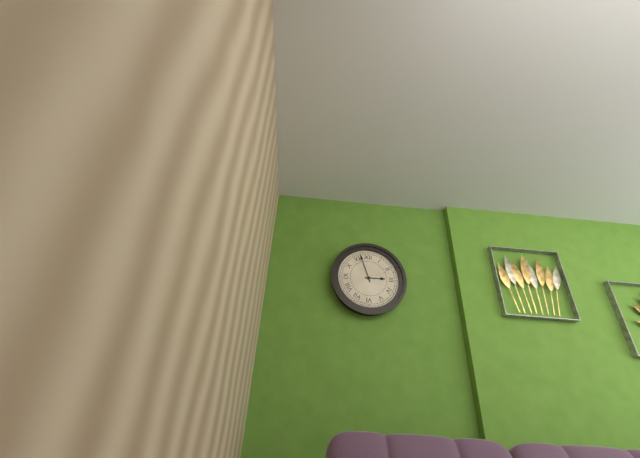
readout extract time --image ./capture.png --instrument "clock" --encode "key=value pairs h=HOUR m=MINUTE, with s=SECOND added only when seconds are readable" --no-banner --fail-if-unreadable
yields h=2 m=57
